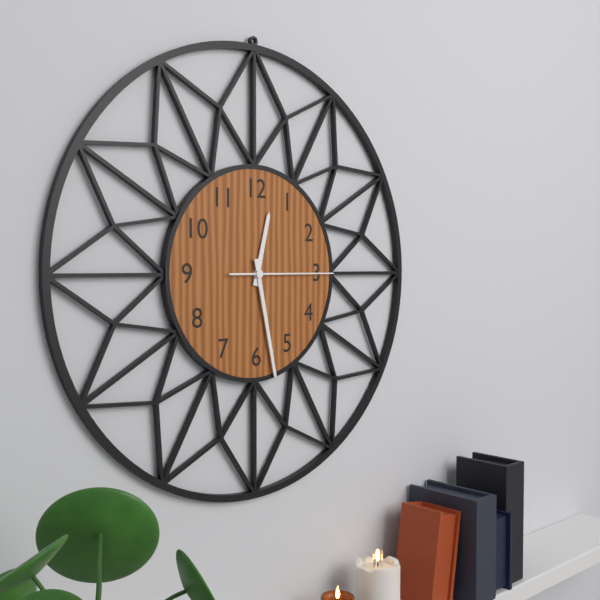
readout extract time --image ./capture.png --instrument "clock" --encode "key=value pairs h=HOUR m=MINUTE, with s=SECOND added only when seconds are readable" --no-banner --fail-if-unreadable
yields h=12 m=28 s=15
